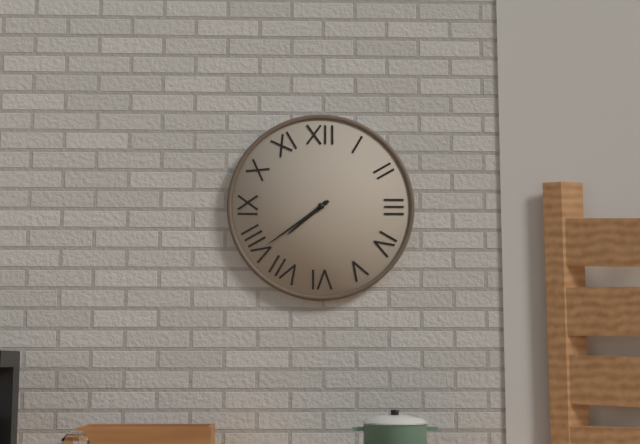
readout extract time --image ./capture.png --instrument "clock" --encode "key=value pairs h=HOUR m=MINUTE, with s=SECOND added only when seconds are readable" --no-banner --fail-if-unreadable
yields h=7 m=39
